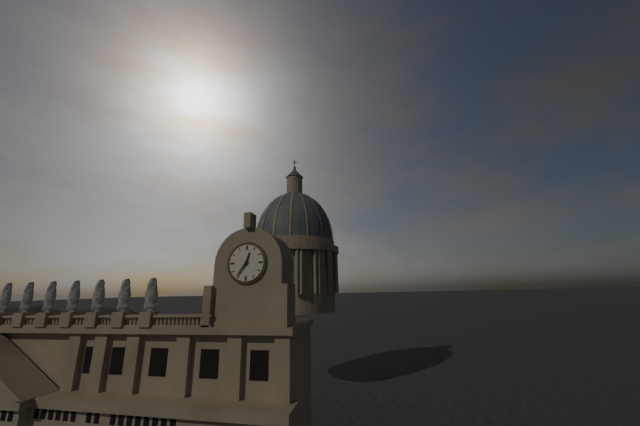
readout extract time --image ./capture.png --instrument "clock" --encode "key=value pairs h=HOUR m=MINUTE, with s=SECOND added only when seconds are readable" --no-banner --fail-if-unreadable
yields h=12 m=36
